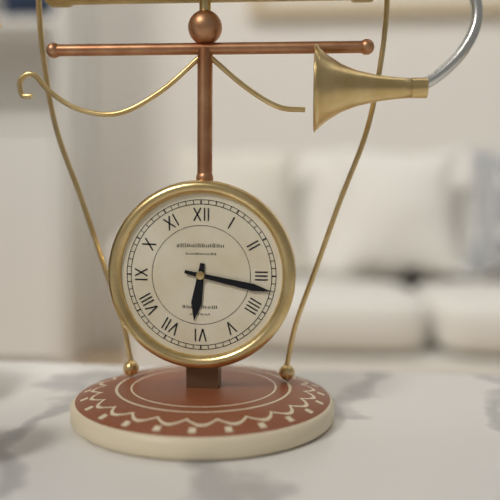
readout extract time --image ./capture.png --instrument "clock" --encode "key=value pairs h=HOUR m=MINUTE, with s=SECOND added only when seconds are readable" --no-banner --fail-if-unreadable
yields h=6 m=17
